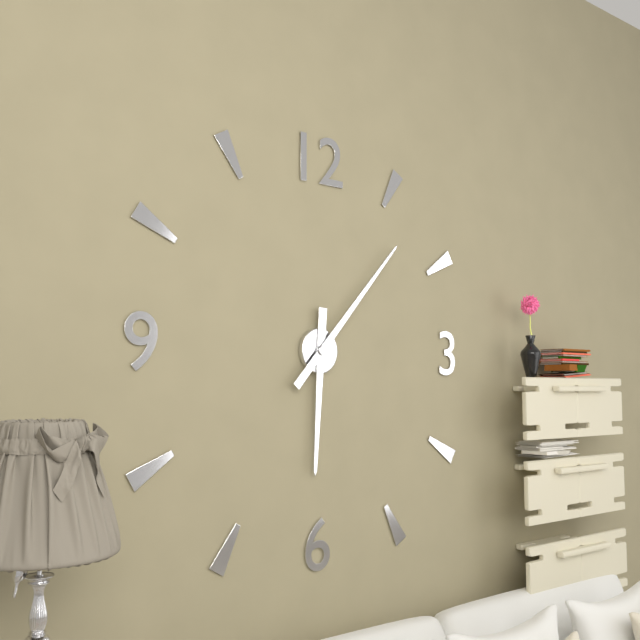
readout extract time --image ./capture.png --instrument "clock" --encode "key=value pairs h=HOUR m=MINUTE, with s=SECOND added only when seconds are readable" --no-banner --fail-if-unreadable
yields h=6 m=7
